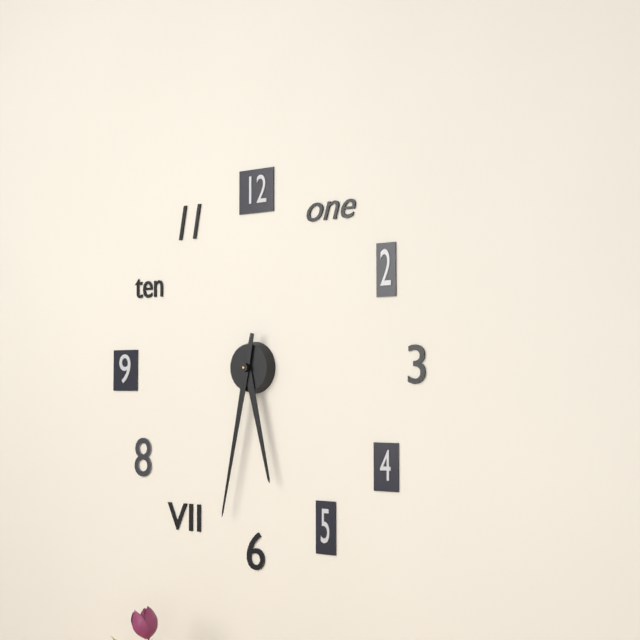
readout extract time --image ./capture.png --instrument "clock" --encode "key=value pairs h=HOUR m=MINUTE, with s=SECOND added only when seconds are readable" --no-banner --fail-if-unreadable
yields h=5 m=32
